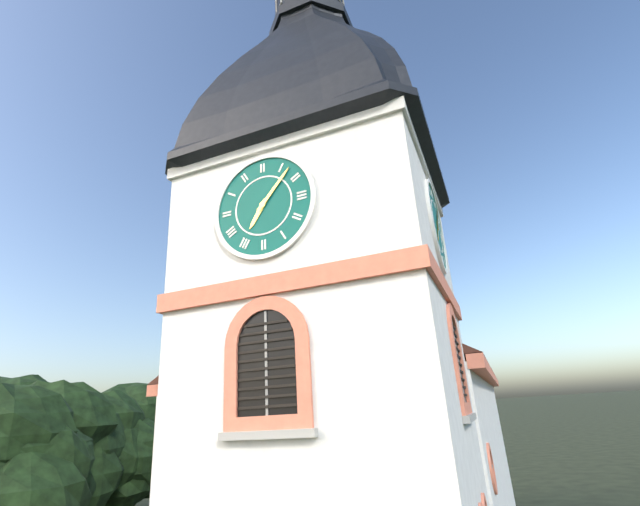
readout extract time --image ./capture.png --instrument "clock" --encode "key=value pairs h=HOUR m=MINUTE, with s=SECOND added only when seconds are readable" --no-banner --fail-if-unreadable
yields h=7 m=7
